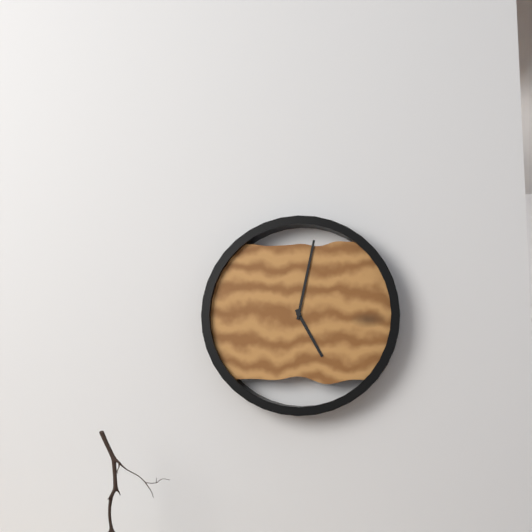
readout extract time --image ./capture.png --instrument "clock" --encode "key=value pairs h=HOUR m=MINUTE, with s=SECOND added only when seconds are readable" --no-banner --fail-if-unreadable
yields h=5 m=2
